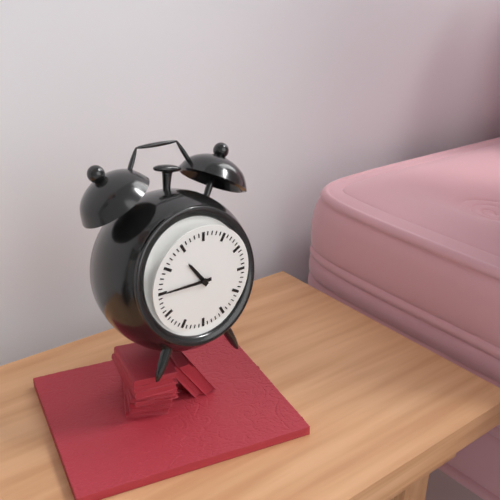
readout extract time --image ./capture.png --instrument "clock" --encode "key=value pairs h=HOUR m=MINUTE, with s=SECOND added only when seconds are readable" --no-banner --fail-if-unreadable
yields h=10 m=45
